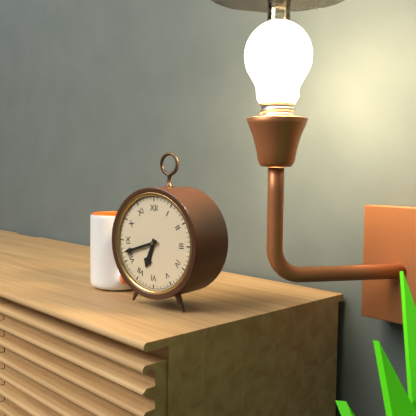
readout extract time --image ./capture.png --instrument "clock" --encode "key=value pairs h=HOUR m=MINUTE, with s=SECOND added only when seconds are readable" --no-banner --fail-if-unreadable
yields h=6 m=42
